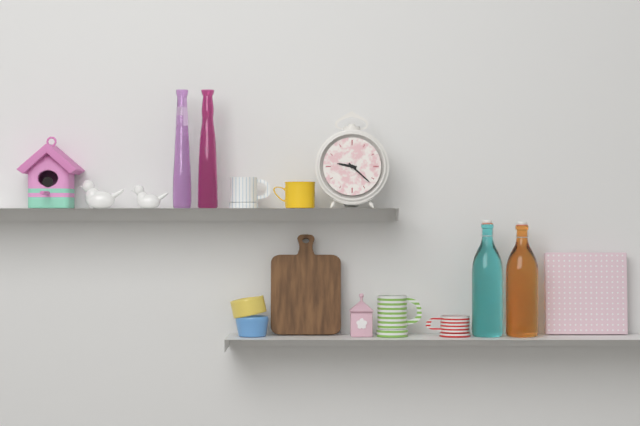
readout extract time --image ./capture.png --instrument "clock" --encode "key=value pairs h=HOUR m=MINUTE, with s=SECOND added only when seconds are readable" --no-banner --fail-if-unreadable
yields h=9 m=22
